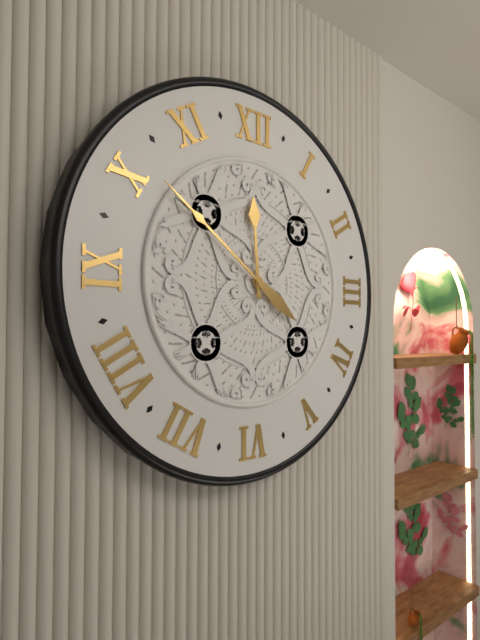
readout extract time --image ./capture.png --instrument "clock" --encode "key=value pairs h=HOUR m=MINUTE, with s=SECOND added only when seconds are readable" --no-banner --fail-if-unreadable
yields h=11 m=51
